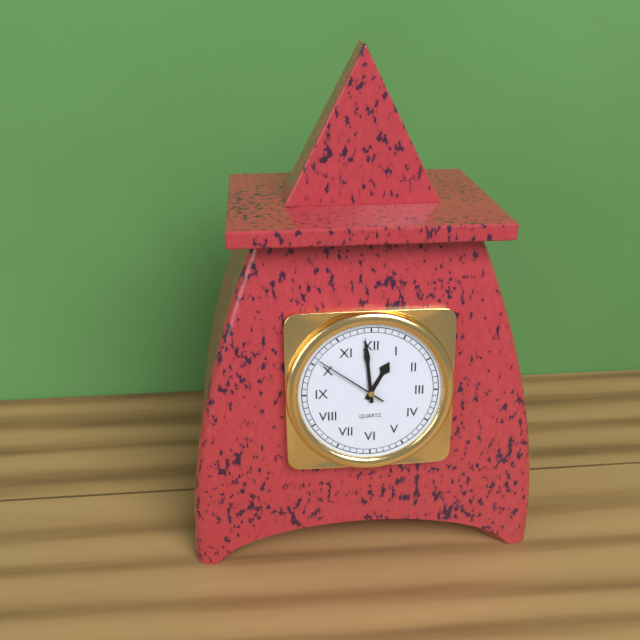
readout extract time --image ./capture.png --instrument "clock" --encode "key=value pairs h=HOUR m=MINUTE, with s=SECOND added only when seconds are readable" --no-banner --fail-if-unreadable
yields h=12 m=59 s=51
